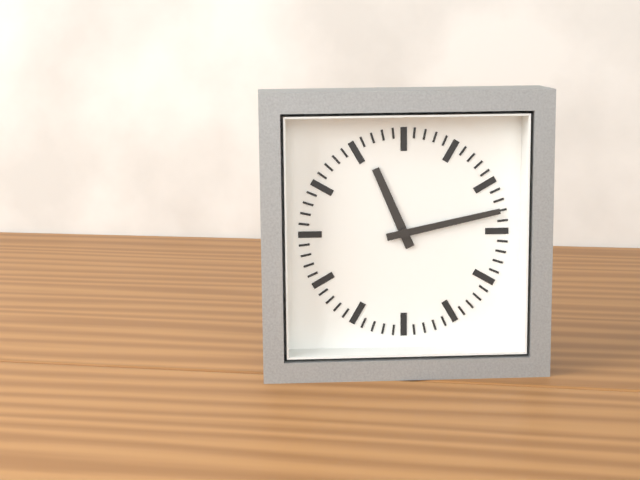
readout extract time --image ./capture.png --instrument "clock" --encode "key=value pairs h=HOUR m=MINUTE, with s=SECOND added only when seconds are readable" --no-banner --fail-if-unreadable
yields h=11 m=13
